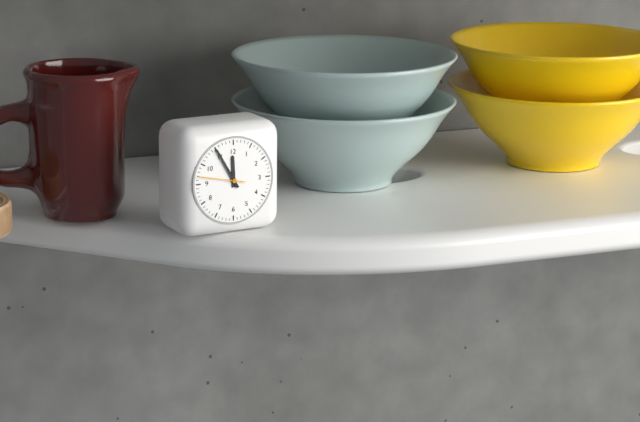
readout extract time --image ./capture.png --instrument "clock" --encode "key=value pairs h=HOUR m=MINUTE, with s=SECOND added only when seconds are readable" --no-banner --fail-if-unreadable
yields h=11 m=55
